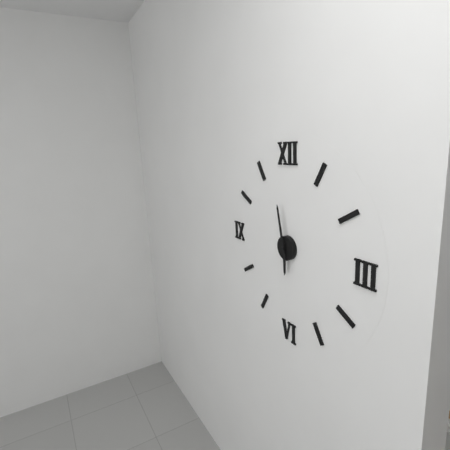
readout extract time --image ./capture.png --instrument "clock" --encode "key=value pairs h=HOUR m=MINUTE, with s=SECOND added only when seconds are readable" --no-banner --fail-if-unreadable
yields h=5 m=58
